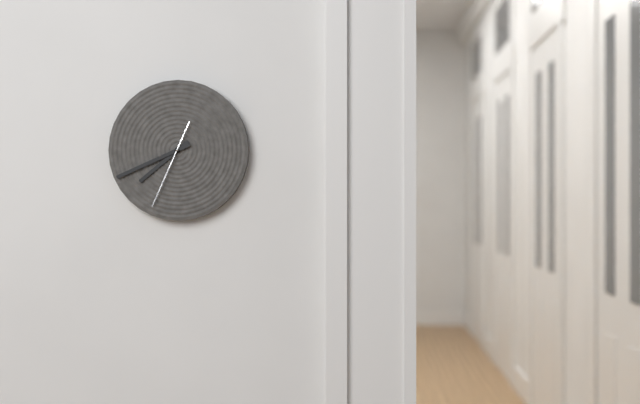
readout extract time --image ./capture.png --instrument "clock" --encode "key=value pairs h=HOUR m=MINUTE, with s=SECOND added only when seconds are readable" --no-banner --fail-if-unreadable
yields h=7 m=41 s=34
